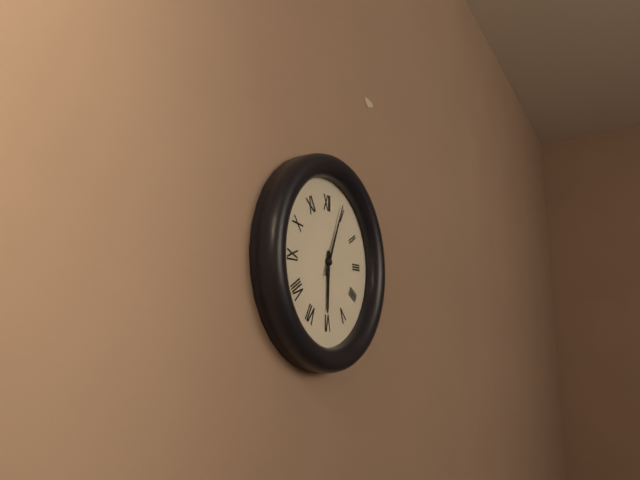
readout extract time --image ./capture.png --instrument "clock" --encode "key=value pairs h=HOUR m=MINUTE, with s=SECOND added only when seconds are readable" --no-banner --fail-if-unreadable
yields h=6 m=4
